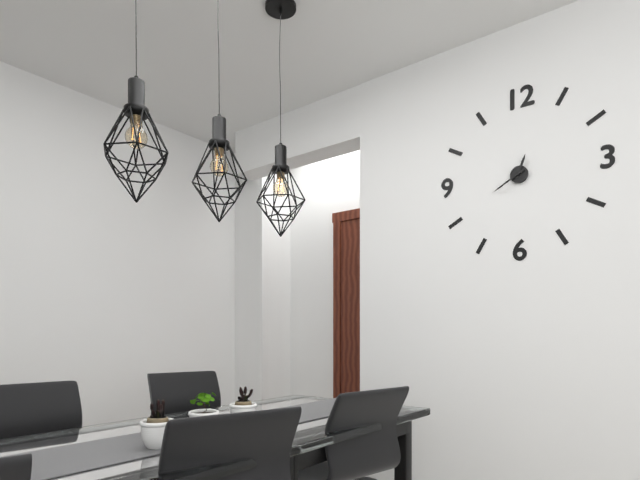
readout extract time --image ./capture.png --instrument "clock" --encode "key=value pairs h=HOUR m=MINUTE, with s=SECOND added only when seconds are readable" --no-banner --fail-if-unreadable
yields h=12 m=40
